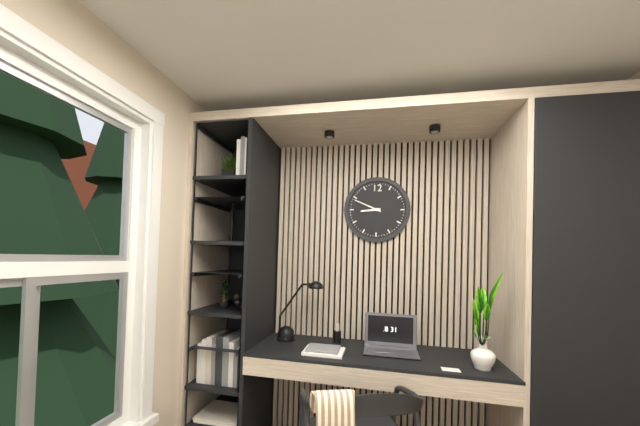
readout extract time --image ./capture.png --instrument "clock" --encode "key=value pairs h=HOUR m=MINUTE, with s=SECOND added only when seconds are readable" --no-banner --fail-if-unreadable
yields h=8 m=49
